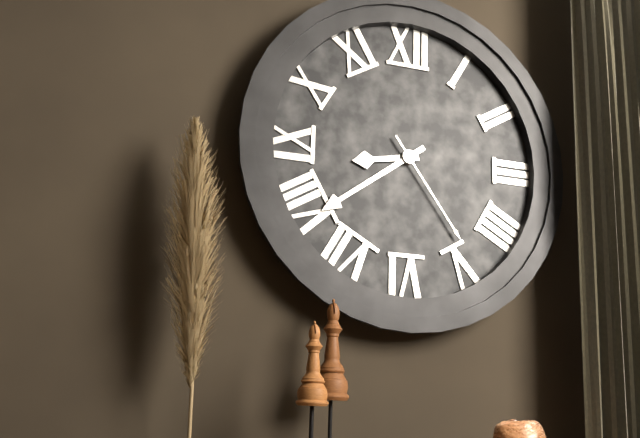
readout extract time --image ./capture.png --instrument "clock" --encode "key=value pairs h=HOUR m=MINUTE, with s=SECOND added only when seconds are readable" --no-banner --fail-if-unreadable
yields h=8 m=39 s=24
